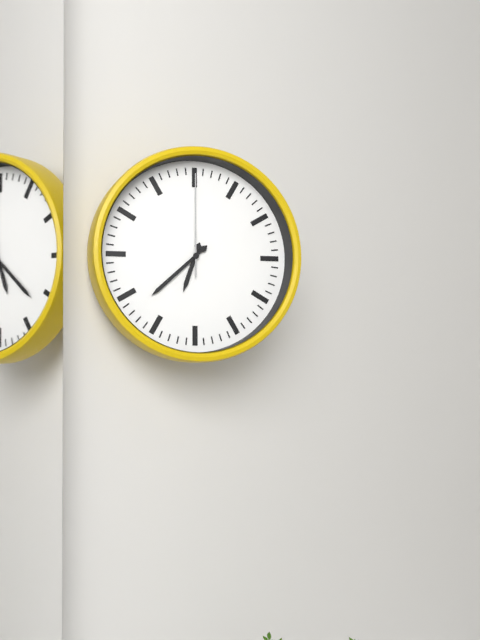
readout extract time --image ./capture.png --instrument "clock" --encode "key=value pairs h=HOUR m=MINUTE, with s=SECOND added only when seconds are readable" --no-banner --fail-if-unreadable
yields h=6 m=38 s=0
